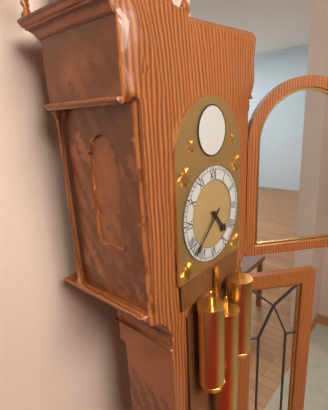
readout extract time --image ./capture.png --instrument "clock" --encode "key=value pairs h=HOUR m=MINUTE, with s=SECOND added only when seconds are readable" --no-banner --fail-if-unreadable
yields h=4 m=38
